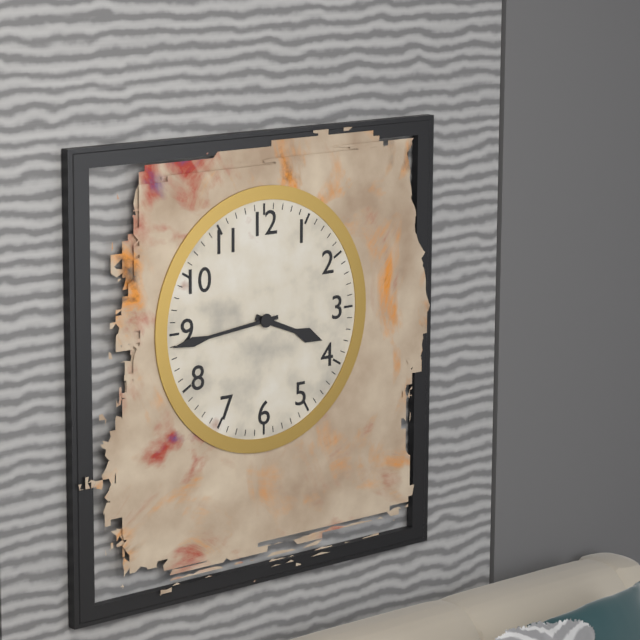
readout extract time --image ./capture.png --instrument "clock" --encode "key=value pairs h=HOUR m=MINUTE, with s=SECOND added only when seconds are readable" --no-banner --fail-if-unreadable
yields h=3 m=44
